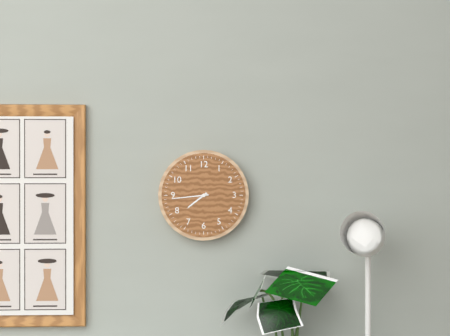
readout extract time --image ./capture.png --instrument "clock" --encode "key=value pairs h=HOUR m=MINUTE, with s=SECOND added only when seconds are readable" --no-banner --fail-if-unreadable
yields h=7 m=44
